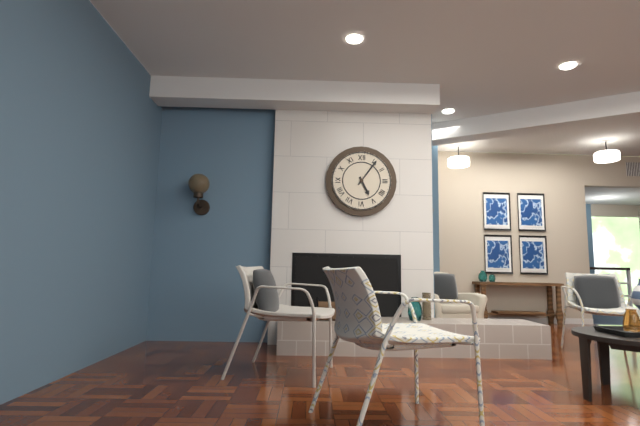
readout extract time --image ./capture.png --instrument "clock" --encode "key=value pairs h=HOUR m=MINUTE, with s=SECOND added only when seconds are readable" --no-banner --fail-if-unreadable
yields h=5 m=6
